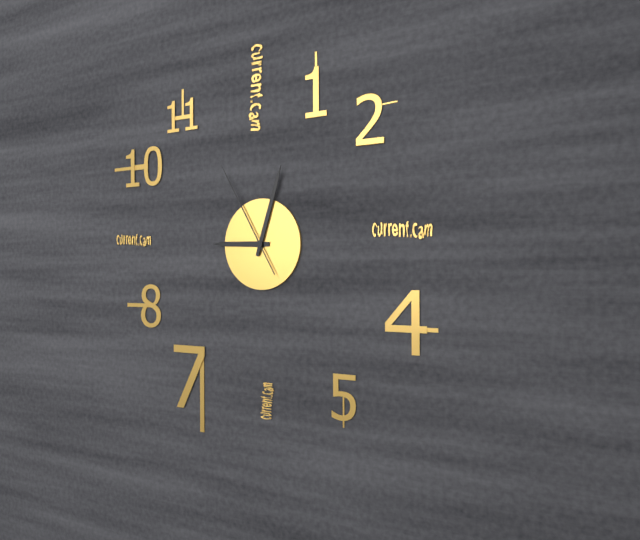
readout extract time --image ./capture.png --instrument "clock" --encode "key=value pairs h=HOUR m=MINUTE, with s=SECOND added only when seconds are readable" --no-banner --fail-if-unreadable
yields h=9 m=3 s=55
